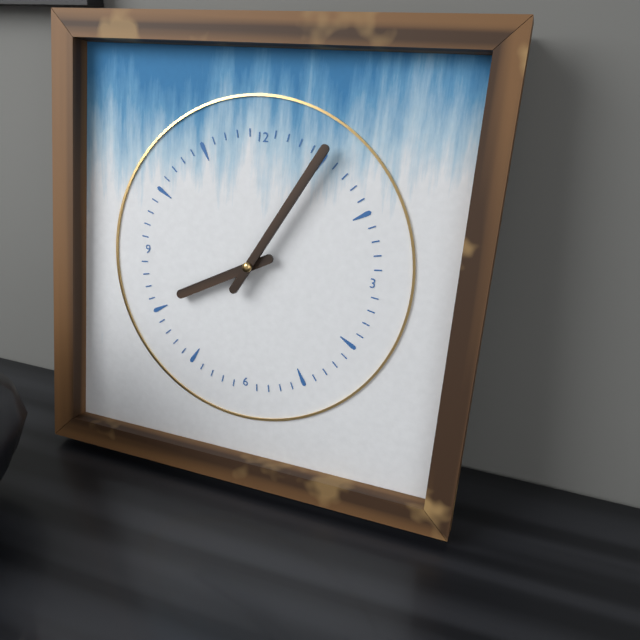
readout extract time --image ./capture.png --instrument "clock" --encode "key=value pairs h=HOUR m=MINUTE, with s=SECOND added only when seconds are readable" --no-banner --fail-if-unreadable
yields h=8 m=5
